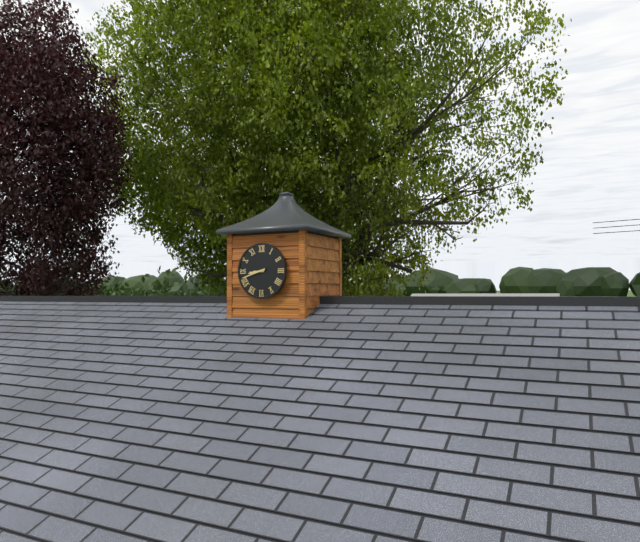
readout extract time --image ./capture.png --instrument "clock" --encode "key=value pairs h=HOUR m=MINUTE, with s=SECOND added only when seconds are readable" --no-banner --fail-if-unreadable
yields h=8 m=42
